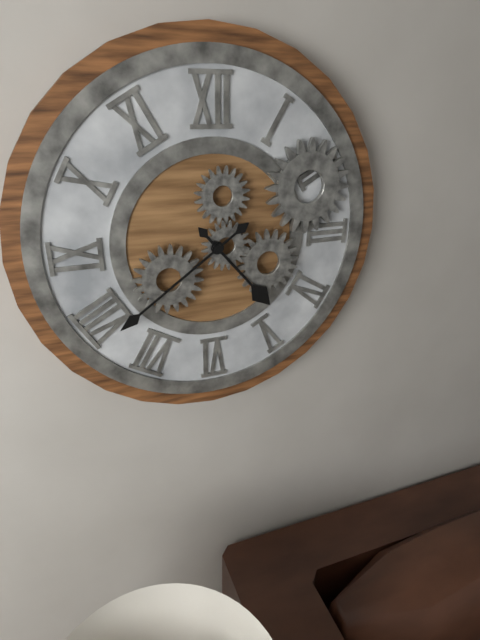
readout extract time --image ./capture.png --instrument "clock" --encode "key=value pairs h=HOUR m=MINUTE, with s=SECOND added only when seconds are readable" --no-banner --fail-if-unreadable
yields h=4 m=39
